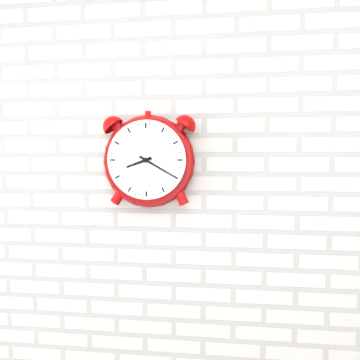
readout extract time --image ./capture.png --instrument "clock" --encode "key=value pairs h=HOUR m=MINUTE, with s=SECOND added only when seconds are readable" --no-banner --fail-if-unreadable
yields h=8 m=20
